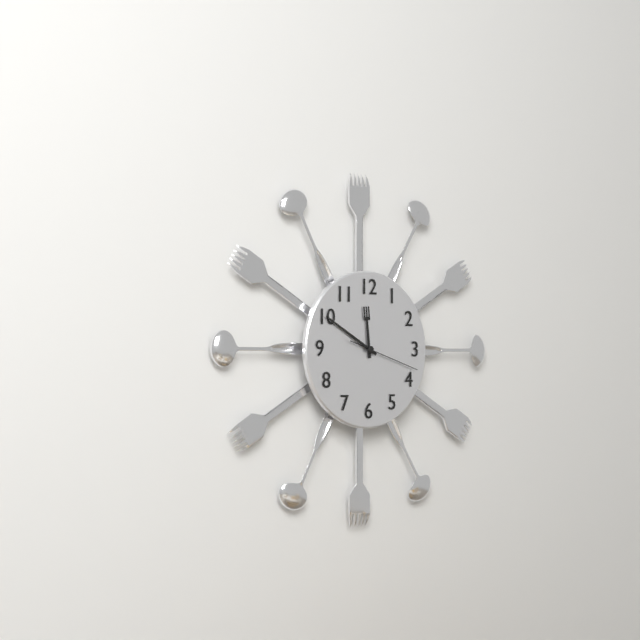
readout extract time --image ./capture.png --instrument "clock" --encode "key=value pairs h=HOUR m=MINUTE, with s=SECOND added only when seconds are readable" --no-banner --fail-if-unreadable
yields h=11 m=50 s=18
